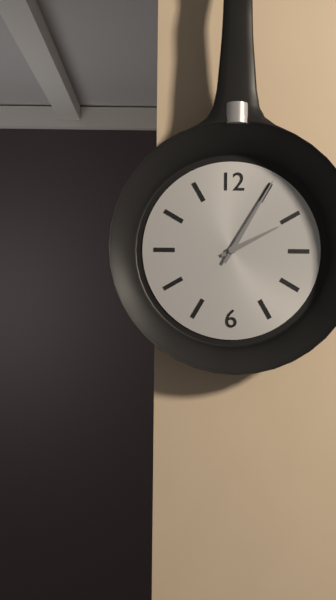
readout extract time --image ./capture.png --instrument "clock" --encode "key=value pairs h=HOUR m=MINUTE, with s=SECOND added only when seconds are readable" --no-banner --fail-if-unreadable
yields h=2 m=5
